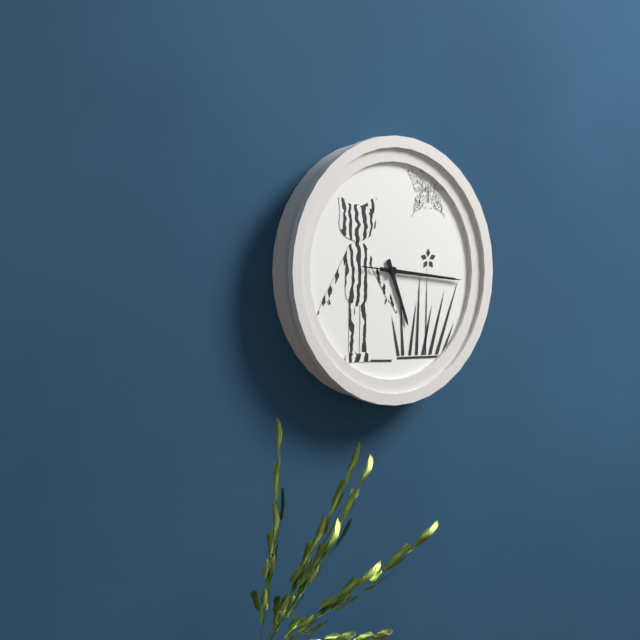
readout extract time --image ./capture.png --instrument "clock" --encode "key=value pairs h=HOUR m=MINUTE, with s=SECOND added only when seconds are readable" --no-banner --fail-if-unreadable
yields h=5 m=16 s=16
